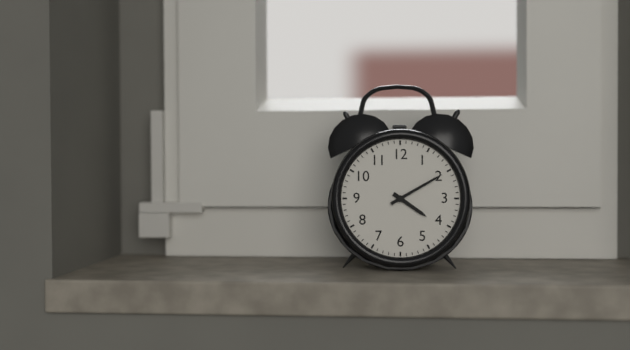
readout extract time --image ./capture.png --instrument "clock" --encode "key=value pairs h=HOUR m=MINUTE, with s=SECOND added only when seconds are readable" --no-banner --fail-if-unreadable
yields h=4 m=10
